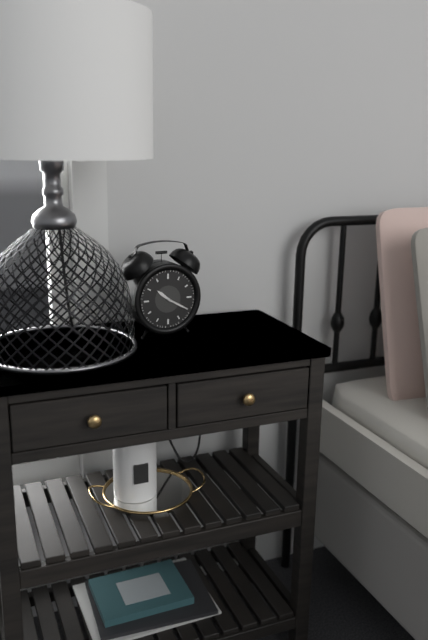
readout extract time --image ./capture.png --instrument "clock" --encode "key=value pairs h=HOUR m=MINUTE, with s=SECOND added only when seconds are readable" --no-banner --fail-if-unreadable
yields h=10 m=20
